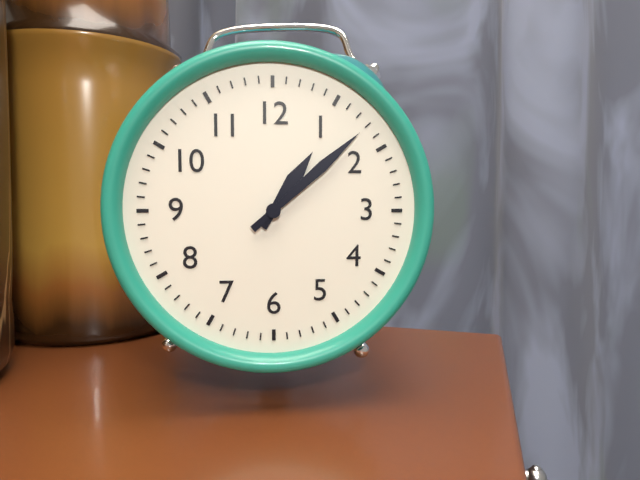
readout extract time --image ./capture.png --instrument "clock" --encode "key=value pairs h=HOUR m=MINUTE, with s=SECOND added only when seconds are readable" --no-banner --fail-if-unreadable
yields h=1 m=8
